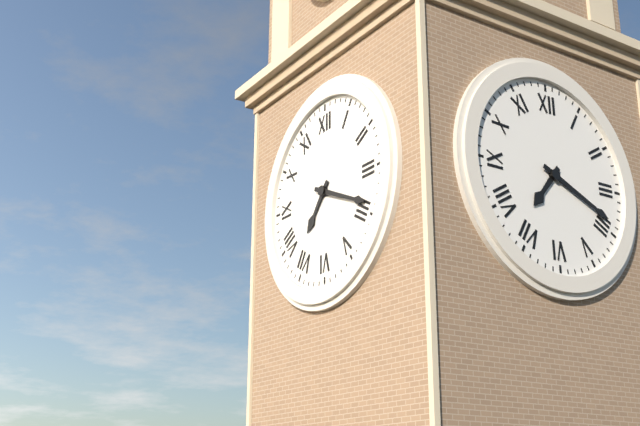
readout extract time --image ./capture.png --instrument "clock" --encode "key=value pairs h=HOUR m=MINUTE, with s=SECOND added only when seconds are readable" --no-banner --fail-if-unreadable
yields h=7 m=19
